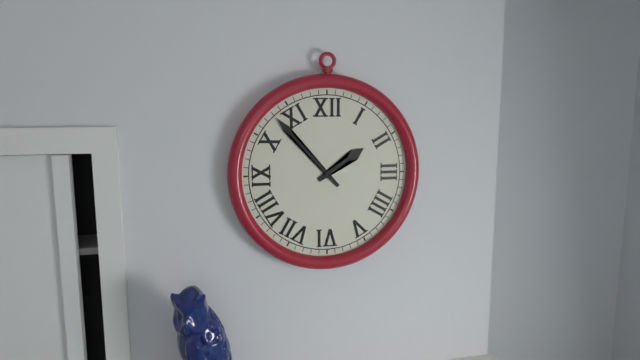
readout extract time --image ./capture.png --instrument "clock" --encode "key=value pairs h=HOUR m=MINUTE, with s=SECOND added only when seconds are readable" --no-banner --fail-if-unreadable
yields h=1 m=53
